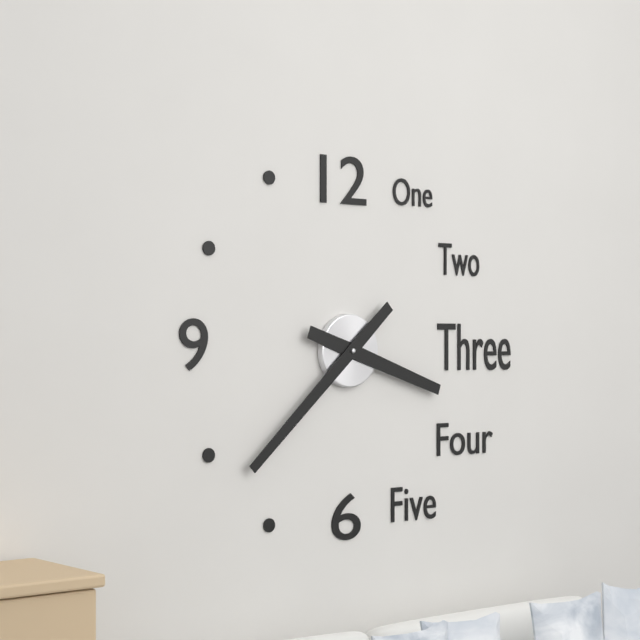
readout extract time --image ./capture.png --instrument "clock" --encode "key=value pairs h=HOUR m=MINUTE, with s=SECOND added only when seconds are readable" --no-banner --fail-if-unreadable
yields h=3 m=38
